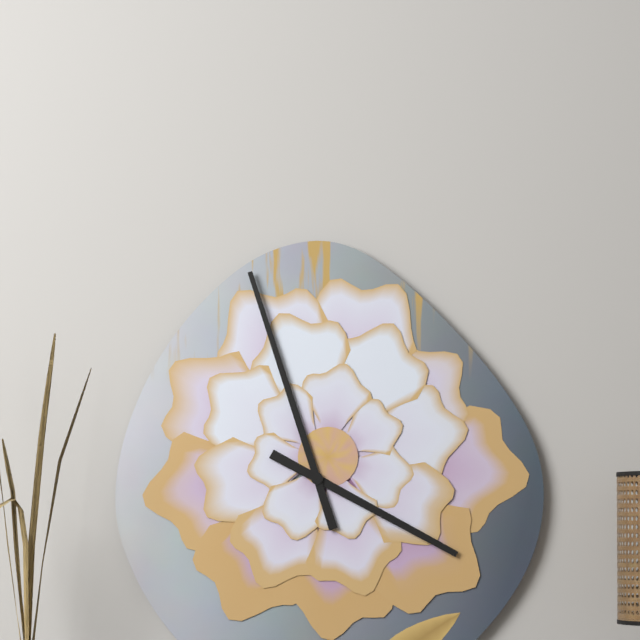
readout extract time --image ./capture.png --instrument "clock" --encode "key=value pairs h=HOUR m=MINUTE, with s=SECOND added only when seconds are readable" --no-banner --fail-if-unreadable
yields h=3 m=57
